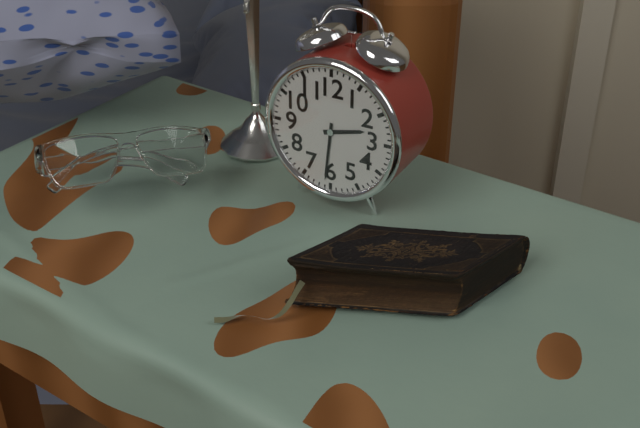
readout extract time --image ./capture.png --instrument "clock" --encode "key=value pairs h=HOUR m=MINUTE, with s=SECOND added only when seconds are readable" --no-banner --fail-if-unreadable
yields h=2 m=31
